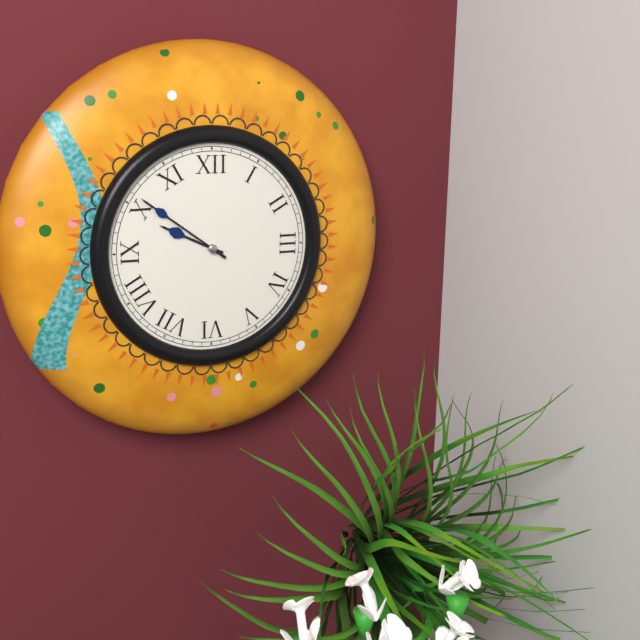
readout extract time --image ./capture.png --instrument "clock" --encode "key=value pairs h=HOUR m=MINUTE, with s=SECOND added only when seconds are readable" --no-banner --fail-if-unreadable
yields h=9 m=51
